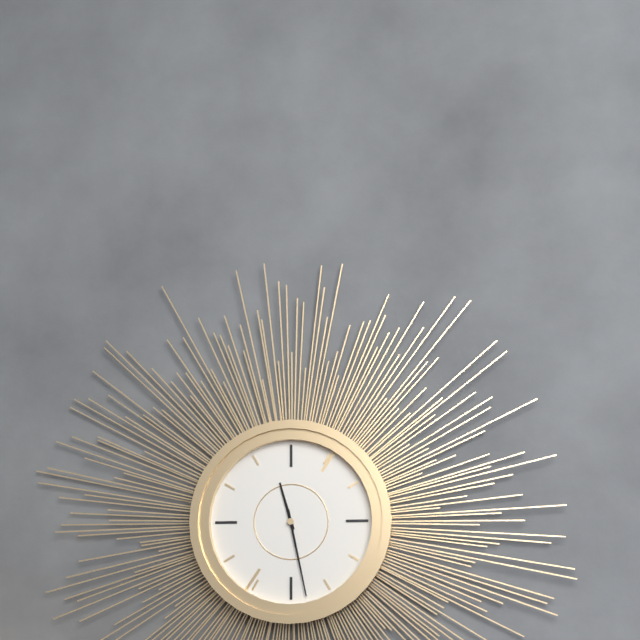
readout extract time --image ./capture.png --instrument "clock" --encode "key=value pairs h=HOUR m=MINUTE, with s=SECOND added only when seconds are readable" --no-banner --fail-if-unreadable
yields h=11 m=28
